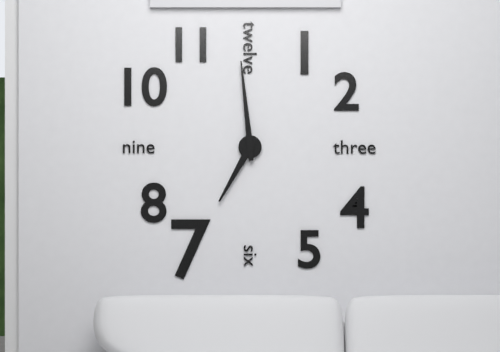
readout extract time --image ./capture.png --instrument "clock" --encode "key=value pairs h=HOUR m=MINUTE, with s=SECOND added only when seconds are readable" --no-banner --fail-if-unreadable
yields h=6 m=59
